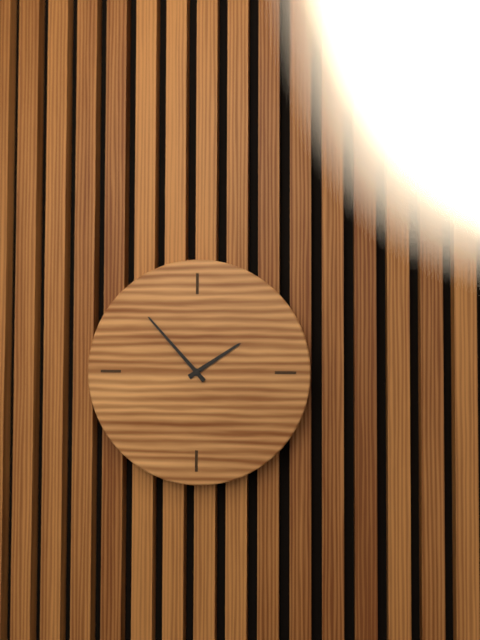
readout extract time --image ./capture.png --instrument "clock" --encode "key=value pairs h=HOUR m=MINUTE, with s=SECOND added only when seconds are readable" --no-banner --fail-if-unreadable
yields h=1 m=53
